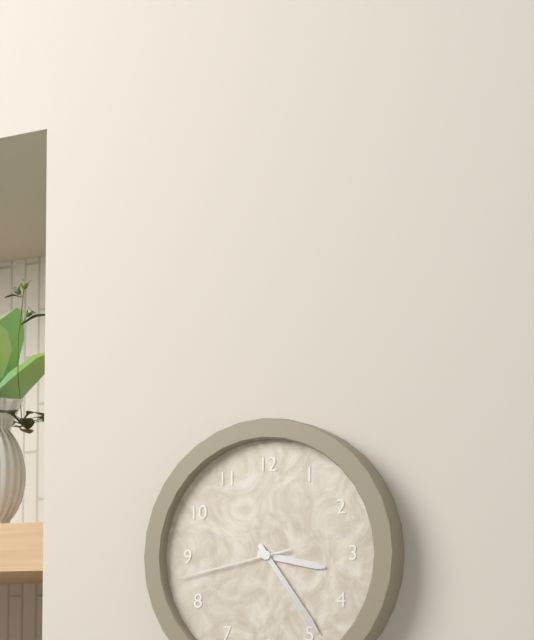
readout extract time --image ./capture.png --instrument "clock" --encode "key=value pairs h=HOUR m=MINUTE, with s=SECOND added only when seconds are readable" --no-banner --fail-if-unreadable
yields h=3 m=24 s=43
